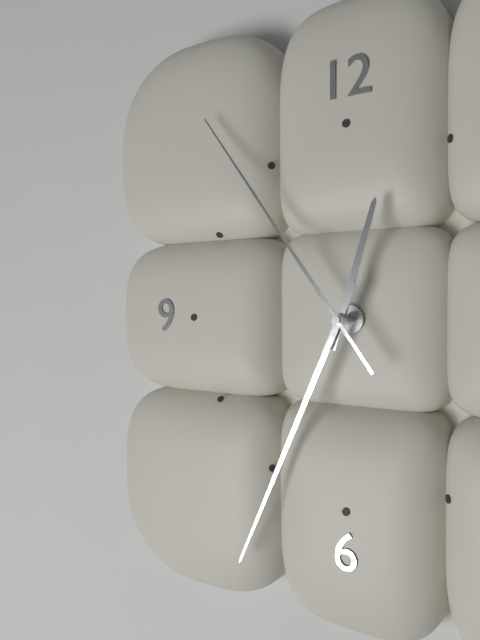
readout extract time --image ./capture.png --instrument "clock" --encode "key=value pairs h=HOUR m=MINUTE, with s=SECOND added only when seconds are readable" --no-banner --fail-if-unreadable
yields h=12 m=34 s=54
